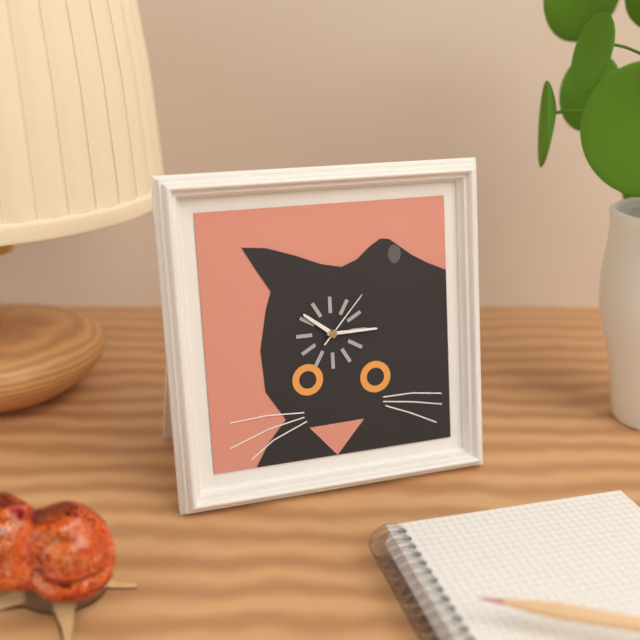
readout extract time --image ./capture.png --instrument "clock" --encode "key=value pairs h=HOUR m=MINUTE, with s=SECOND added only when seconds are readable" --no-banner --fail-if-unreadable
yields h=10 m=15 s=7
